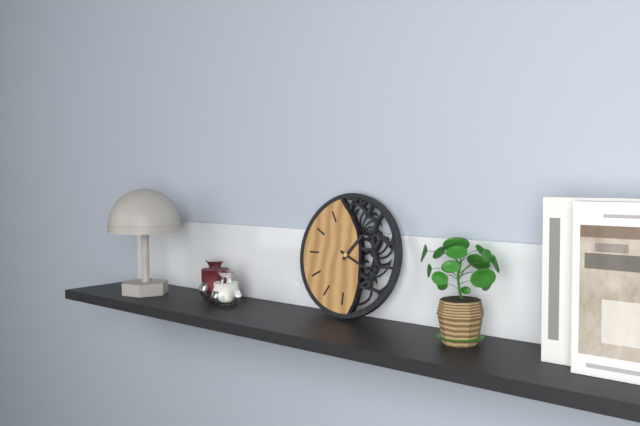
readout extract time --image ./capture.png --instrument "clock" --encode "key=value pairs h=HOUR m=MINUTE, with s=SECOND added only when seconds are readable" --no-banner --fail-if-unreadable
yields h=1 m=19
